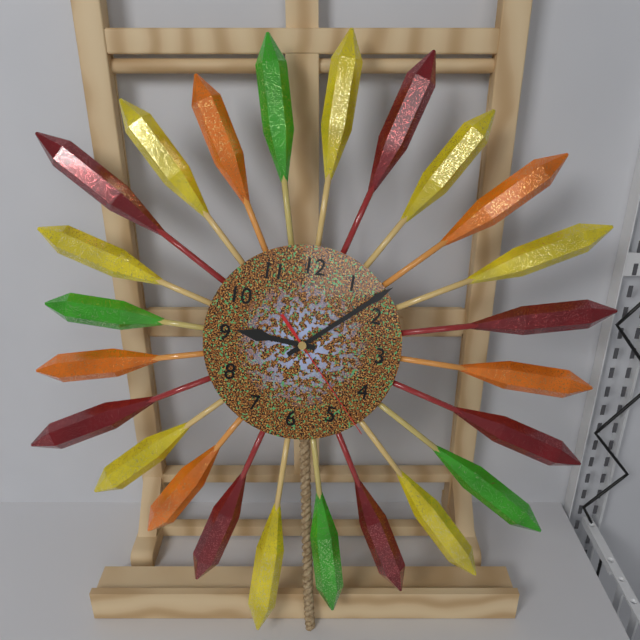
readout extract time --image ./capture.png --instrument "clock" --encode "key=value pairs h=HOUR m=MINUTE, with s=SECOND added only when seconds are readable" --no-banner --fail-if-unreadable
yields h=9 m=8 s=23
